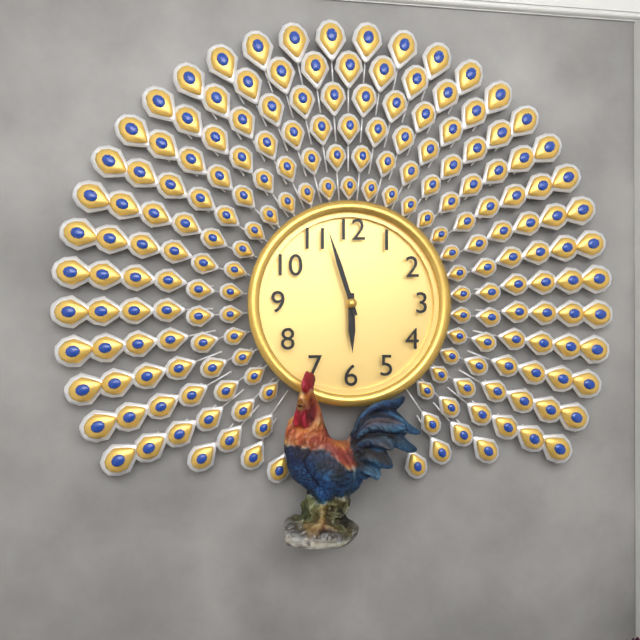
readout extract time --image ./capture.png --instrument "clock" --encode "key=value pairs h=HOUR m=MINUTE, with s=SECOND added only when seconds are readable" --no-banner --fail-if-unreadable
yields h=5 m=57
